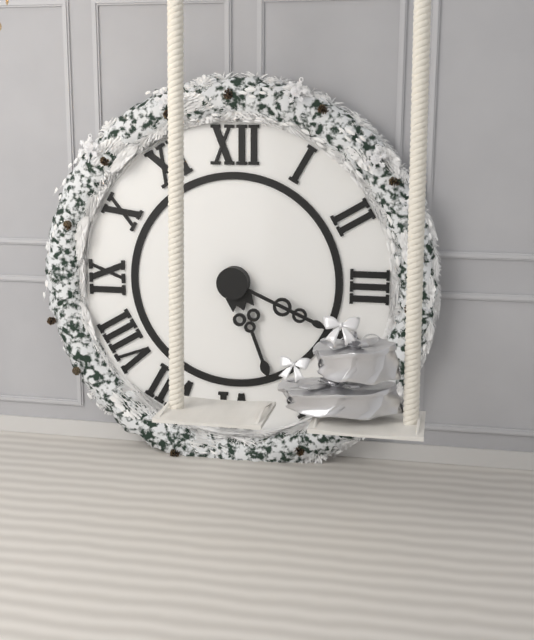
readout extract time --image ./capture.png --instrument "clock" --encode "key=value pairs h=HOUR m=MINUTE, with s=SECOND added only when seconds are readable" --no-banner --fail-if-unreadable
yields h=5 m=19
